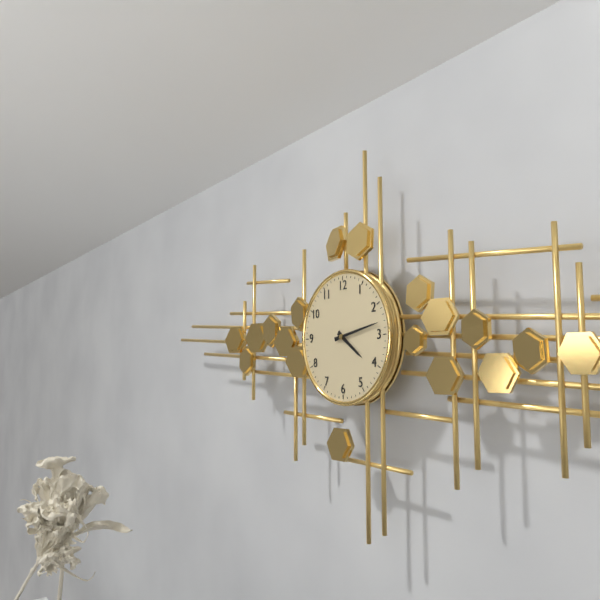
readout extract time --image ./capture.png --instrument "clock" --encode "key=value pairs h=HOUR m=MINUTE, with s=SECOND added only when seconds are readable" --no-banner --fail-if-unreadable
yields h=4 m=13
